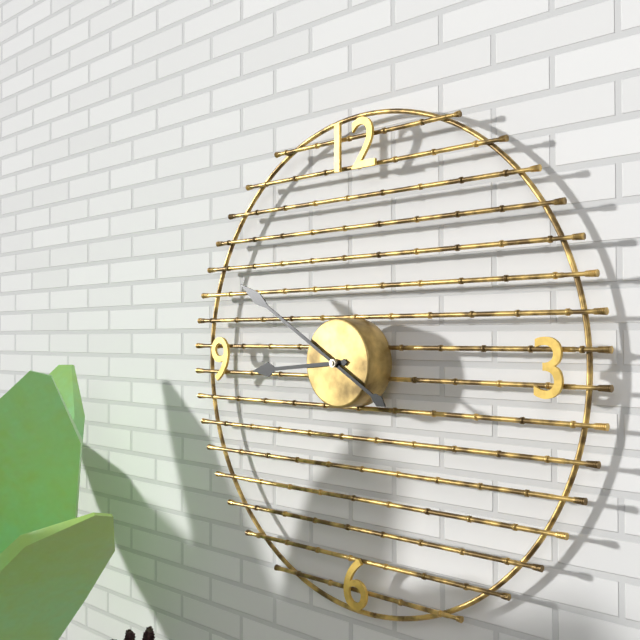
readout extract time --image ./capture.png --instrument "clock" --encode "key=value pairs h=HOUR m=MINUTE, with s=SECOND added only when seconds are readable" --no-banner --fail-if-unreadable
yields h=8 m=50
